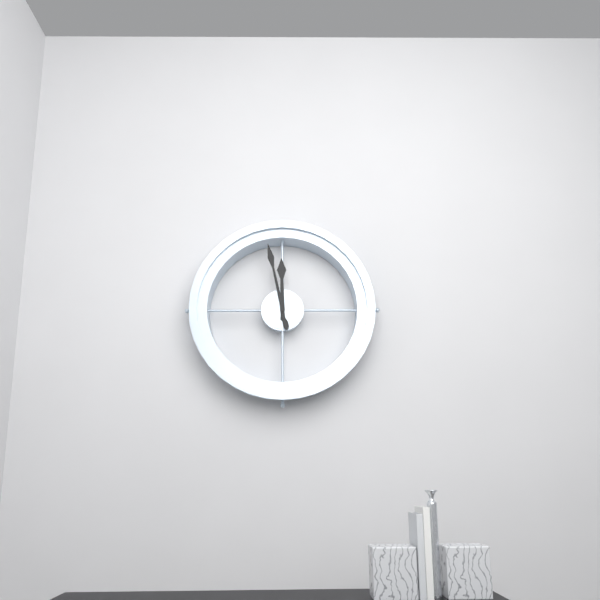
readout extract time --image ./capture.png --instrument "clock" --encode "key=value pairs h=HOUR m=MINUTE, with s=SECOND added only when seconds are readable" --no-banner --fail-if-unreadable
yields h=11 m=58
